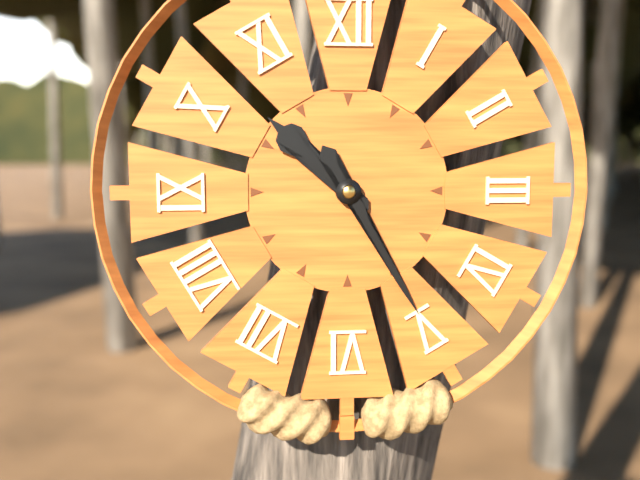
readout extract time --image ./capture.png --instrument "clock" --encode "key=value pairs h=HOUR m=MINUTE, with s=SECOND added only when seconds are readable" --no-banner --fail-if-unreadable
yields h=10 m=25
